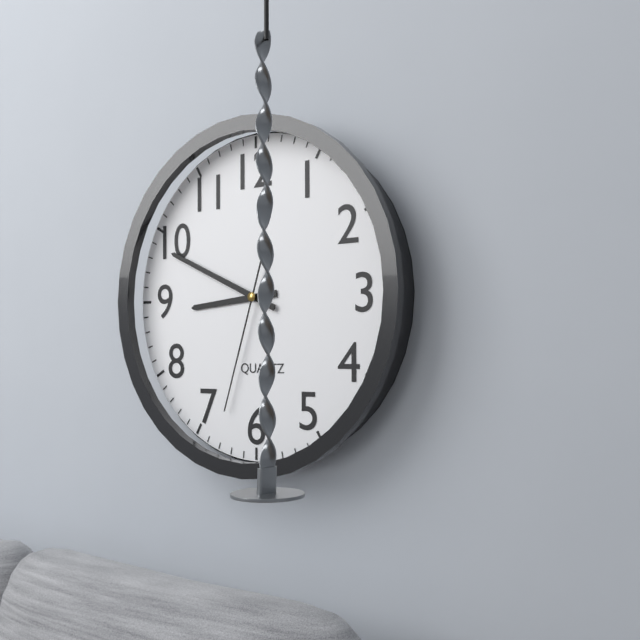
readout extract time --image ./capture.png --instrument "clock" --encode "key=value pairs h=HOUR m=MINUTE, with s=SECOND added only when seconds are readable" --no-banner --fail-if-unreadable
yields h=8 m=49 s=33
